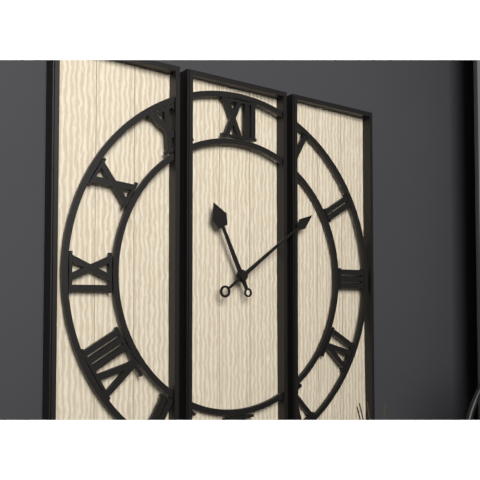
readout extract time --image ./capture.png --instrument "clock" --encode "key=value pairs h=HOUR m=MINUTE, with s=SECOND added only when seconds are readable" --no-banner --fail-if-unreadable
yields h=11 m=9
